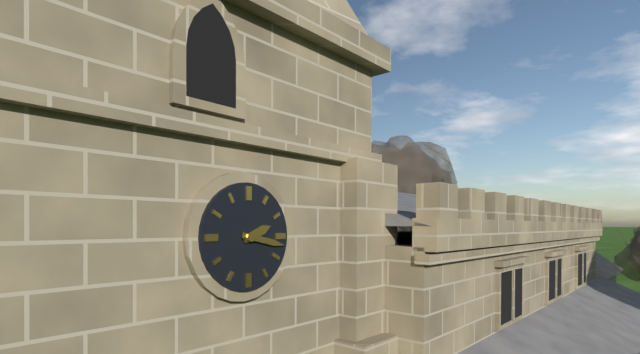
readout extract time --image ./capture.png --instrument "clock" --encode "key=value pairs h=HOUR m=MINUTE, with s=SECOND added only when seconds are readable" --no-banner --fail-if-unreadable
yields h=2 m=17
